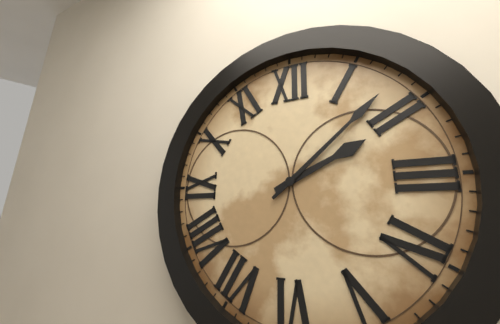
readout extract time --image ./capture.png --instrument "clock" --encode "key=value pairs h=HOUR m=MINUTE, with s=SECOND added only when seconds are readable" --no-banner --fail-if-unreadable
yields h=2 m=8
